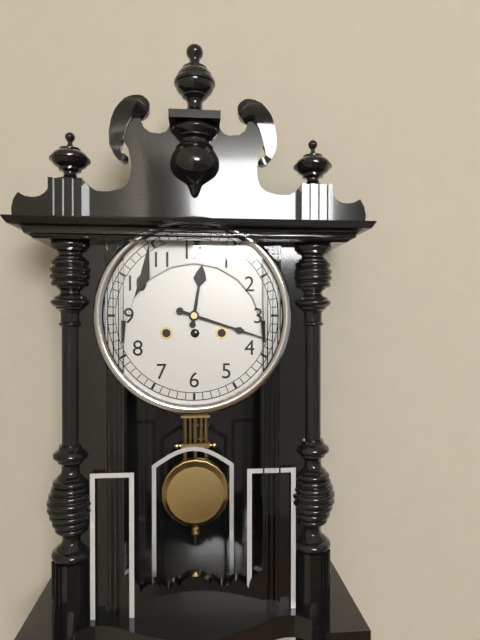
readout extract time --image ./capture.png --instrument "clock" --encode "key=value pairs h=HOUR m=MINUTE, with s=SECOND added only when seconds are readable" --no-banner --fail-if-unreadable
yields h=12 m=18
